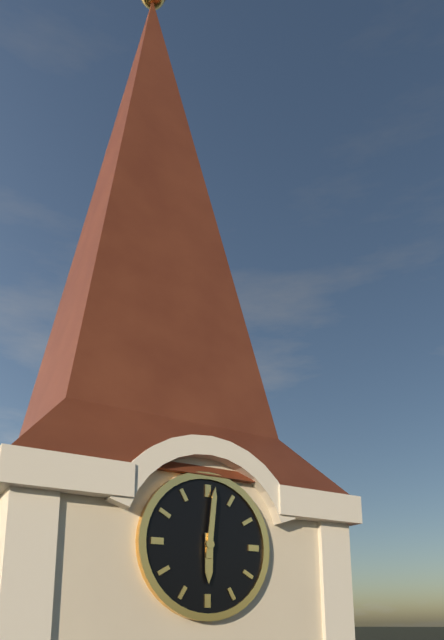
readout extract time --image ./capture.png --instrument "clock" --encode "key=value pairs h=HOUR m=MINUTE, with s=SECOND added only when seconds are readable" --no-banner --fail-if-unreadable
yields h=6 m=1
